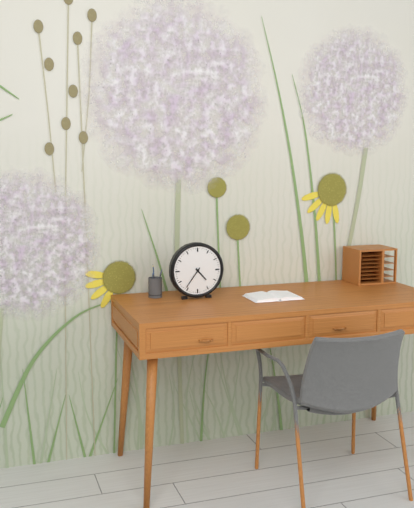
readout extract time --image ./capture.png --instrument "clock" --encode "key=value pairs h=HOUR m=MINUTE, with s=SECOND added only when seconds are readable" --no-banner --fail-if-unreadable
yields h=4 m=36
